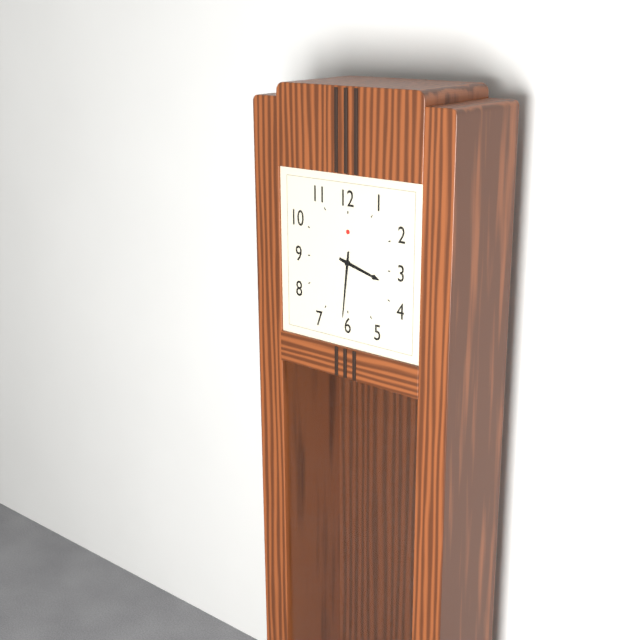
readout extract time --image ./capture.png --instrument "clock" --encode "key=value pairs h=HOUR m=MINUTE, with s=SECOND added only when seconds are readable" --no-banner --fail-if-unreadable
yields h=3 m=31
